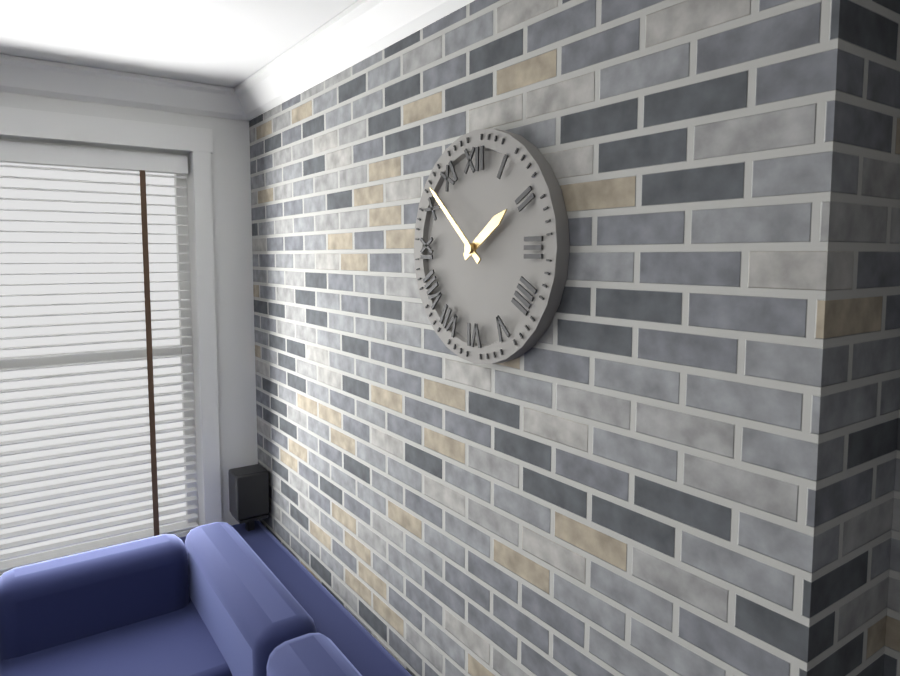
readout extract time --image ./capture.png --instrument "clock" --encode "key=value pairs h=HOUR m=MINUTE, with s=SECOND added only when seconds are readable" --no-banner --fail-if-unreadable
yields h=1 m=52
